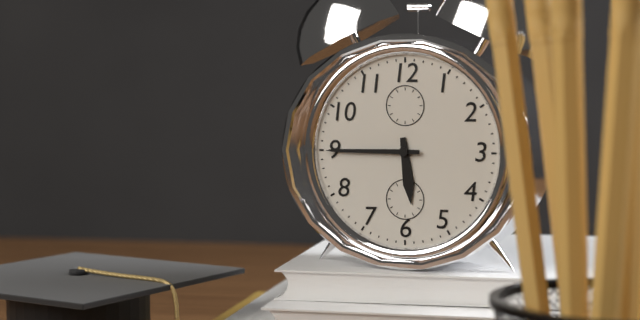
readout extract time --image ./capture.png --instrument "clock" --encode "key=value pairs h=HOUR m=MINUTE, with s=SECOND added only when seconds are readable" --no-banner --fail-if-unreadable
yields h=5 m=45
